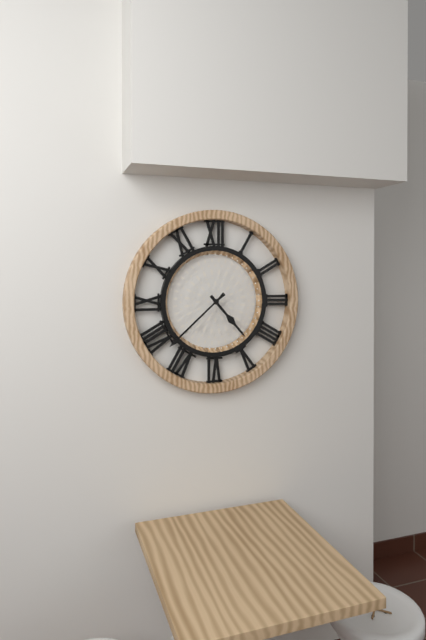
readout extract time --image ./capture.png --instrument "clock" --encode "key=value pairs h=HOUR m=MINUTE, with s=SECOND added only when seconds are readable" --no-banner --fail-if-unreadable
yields h=4 m=38
